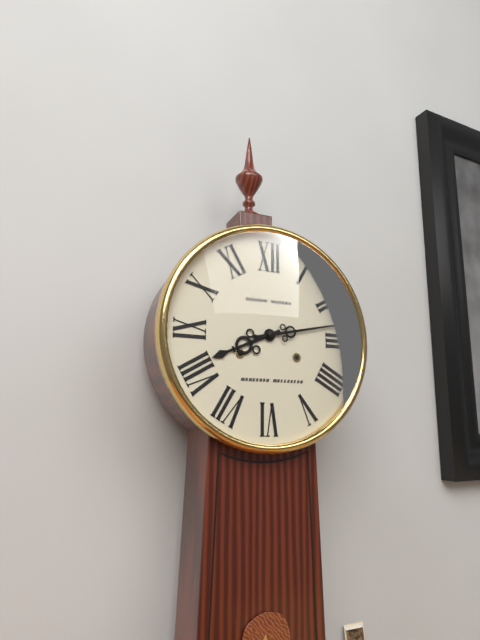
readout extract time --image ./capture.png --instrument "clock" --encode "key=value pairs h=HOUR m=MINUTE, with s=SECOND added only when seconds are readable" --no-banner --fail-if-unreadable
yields h=8 m=13
